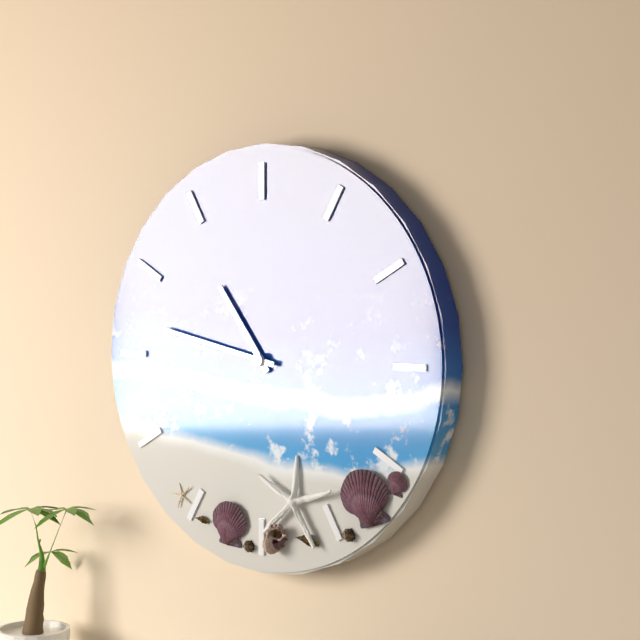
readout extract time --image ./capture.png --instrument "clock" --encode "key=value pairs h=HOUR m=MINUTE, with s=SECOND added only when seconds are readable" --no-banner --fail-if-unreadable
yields h=10 m=47
